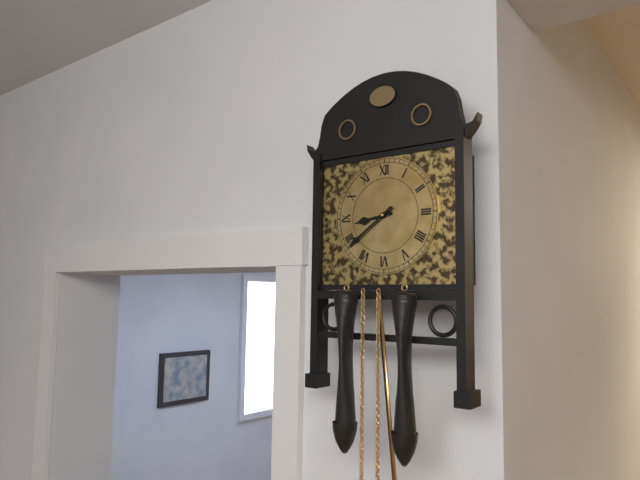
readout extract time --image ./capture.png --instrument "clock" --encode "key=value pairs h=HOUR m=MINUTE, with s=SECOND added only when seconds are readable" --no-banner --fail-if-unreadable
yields h=8 m=39
